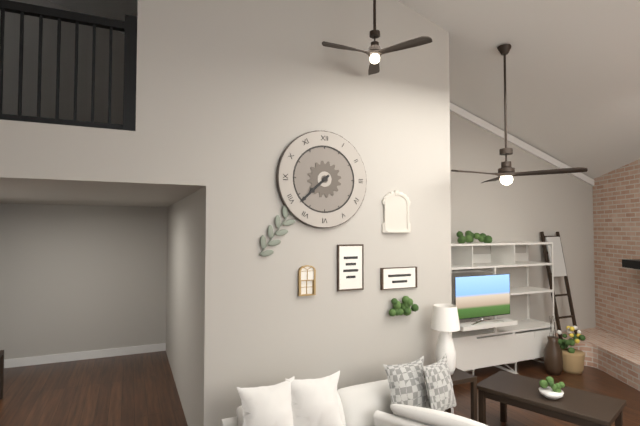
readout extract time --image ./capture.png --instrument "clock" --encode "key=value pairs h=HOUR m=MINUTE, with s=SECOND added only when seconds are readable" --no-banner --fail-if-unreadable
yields h=7 m=38
